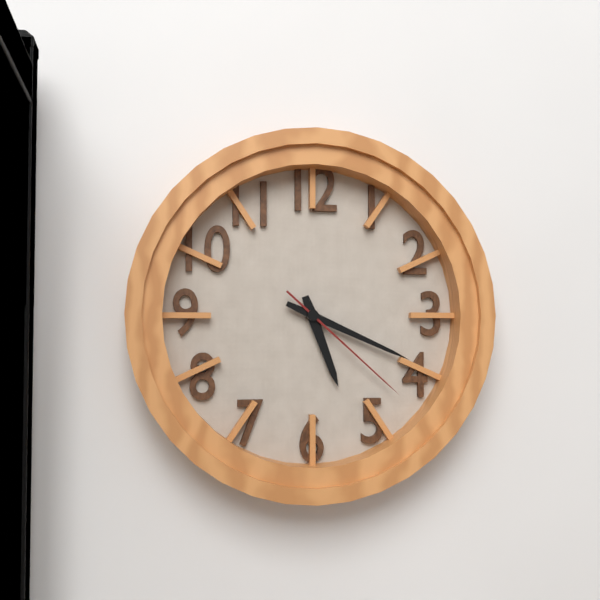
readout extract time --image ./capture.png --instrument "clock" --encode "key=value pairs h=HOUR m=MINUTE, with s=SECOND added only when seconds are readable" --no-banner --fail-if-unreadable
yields h=5 m=19 s=22
